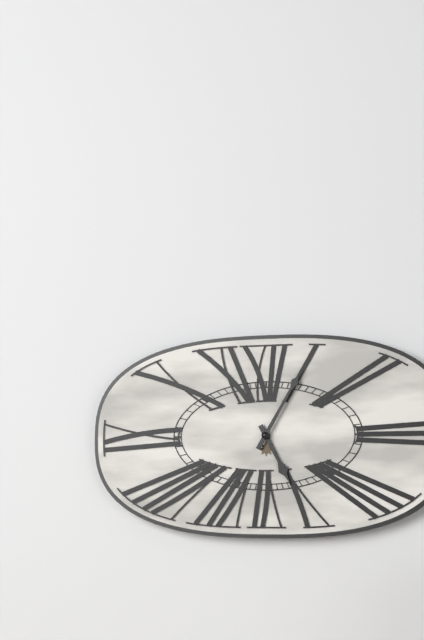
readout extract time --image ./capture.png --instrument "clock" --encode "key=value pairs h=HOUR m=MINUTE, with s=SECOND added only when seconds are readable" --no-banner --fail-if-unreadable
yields h=5 m=5
